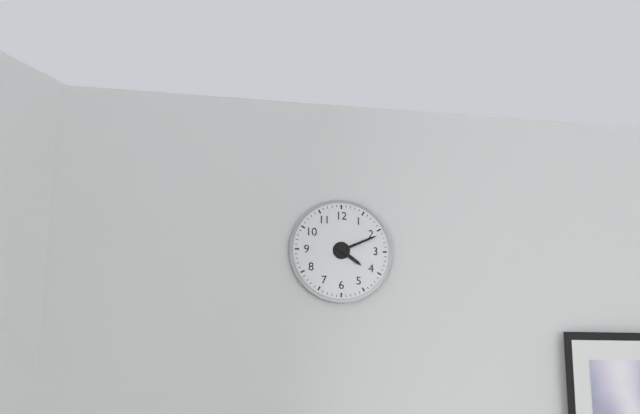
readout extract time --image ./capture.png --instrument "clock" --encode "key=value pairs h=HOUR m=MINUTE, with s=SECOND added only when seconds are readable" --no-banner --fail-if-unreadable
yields h=4 m=11
